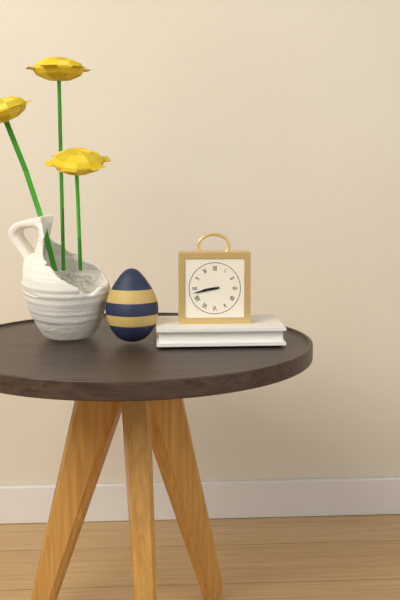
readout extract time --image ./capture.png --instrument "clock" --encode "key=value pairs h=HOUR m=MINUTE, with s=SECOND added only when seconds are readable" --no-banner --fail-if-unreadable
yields h=8 m=43
